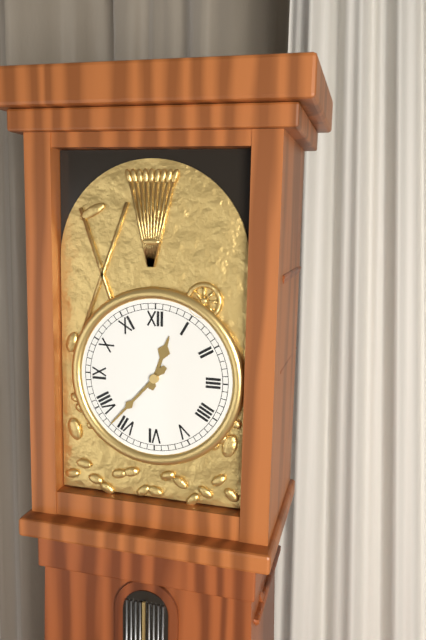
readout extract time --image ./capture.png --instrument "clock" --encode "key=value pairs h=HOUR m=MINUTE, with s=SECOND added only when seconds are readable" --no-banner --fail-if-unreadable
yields h=12 m=37
